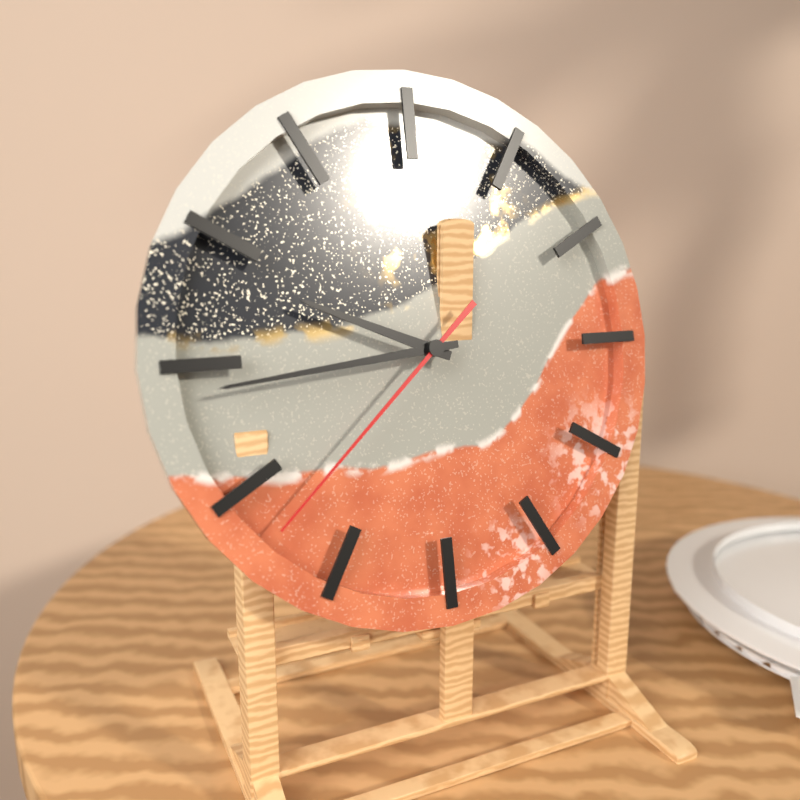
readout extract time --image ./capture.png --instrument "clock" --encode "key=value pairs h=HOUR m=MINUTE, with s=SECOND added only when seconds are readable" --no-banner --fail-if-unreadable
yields h=9 m=44 s=38
